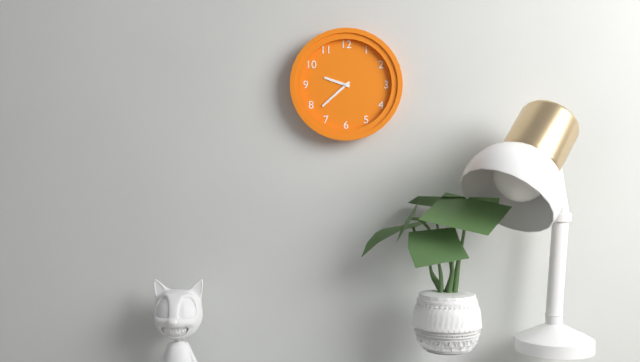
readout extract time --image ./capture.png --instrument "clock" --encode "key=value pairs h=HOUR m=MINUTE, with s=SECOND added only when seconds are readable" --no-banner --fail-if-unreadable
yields h=9 m=38
